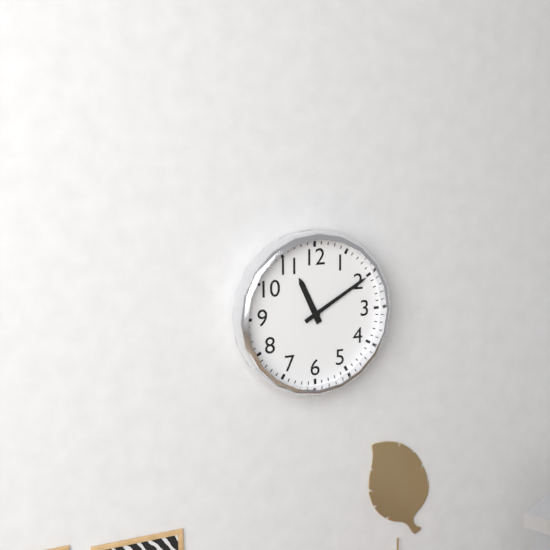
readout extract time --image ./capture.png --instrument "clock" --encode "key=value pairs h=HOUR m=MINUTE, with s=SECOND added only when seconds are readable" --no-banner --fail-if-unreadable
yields h=11 m=10
